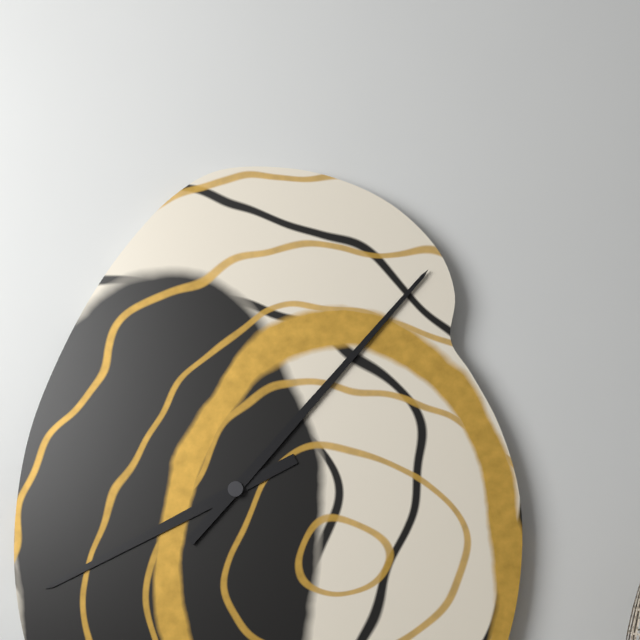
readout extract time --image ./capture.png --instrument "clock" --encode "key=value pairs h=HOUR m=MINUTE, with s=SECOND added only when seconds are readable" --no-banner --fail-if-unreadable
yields h=8 m=7
